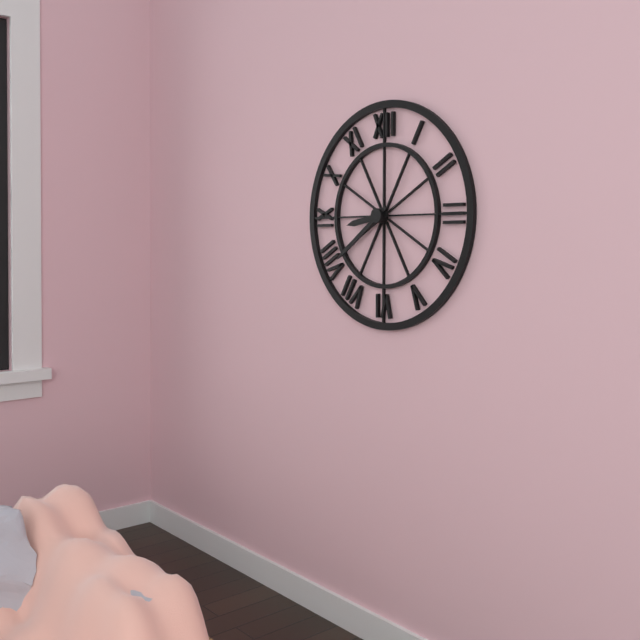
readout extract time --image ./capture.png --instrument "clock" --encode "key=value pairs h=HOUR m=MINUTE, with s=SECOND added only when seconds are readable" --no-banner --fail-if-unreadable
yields h=8 m=39
